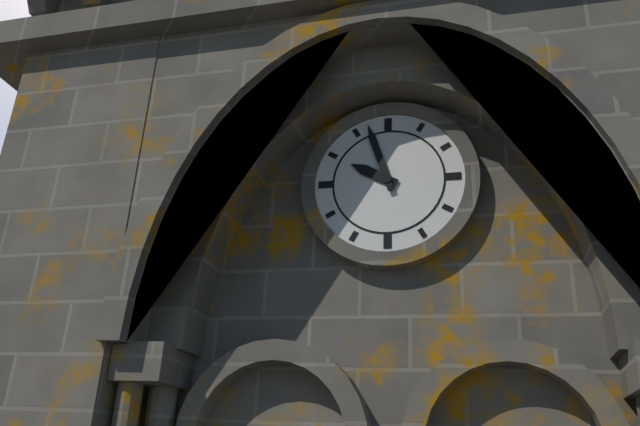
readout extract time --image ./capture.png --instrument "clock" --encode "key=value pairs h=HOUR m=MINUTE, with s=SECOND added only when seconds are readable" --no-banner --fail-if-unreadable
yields h=9 m=57
